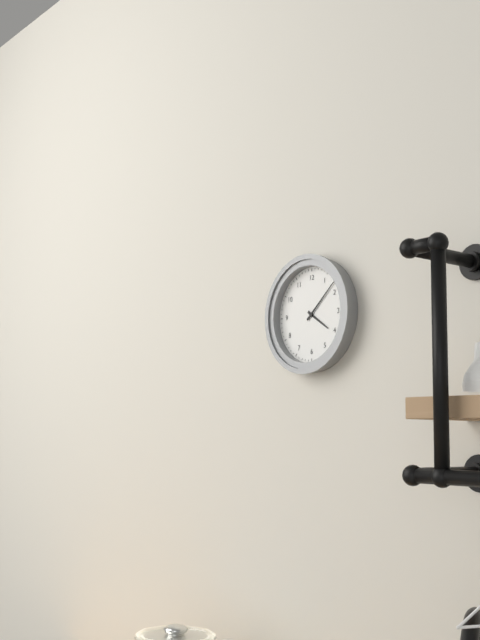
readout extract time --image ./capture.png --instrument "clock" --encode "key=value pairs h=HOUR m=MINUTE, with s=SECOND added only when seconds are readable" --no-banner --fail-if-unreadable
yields h=4 m=8
